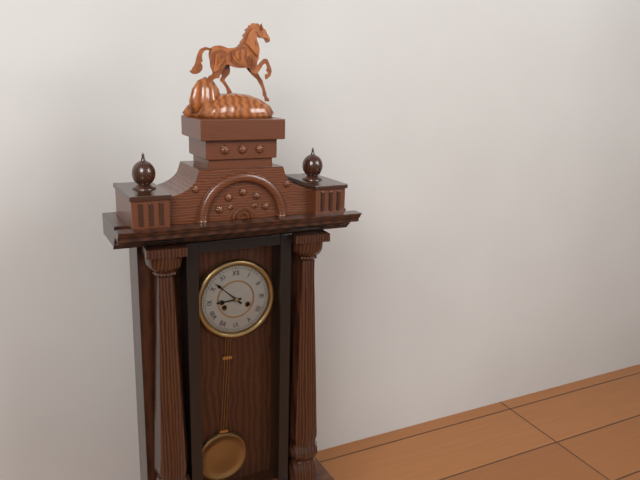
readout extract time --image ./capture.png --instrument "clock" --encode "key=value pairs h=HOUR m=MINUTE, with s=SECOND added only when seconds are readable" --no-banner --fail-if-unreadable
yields h=8 m=52
